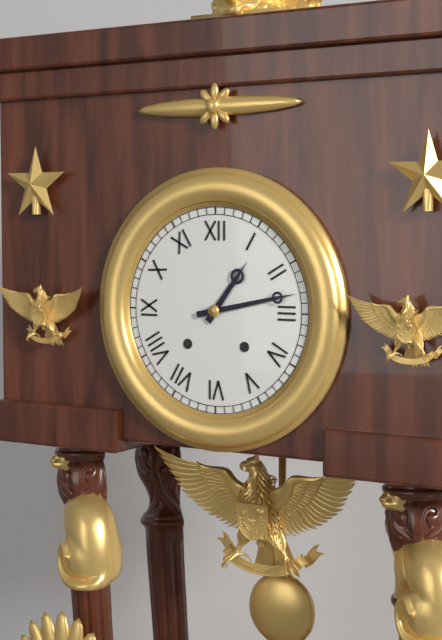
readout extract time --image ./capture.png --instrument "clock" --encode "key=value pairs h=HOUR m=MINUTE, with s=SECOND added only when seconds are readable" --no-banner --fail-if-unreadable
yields h=1 m=13
